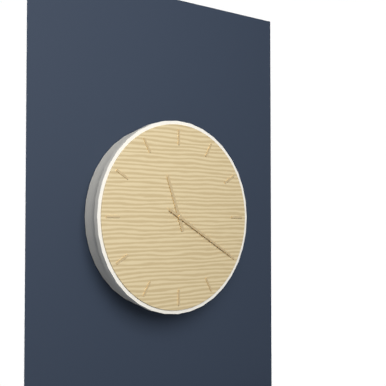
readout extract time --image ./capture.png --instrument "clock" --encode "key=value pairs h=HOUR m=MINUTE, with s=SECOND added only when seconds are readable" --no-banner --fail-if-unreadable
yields h=11 m=20
